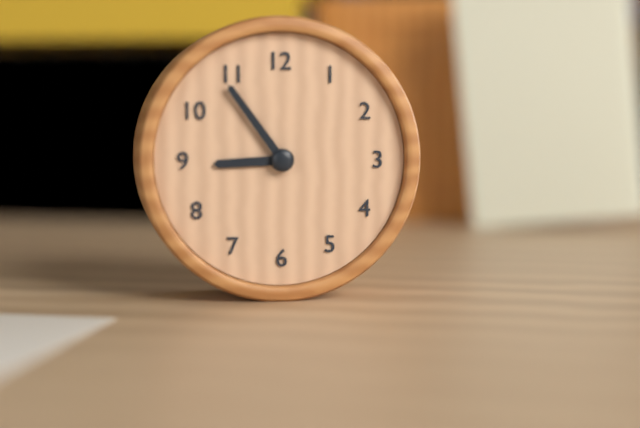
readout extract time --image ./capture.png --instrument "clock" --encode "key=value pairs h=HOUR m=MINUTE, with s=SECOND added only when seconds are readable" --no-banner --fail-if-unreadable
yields h=8 m=54
